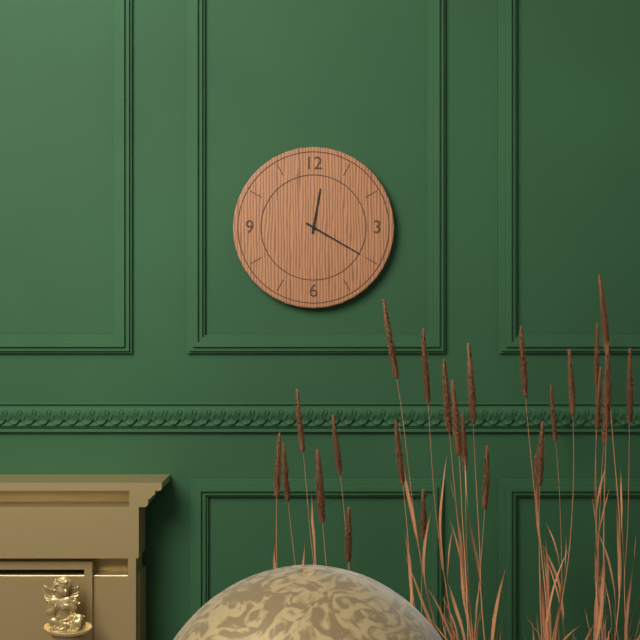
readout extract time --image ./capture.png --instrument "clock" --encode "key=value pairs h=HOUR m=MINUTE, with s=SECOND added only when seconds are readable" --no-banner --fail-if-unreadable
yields h=12 m=20
